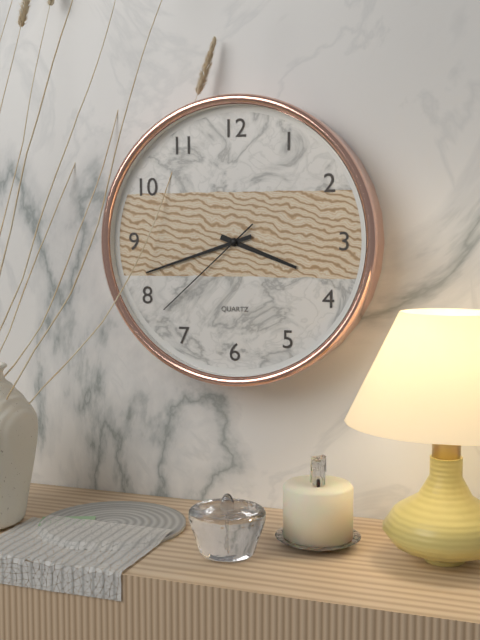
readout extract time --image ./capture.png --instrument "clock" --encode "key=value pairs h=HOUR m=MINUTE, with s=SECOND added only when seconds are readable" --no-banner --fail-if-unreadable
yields h=3 m=42 s=38
